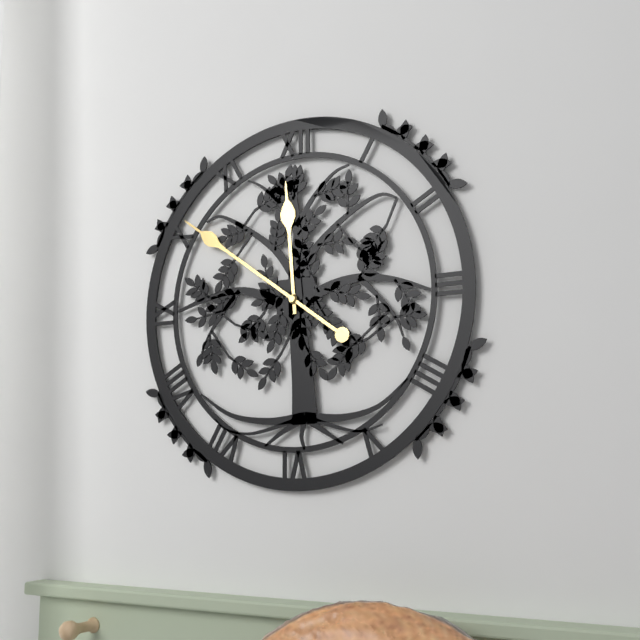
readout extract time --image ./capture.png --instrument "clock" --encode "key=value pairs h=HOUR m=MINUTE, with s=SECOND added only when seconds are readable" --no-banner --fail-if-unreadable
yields h=11 m=51
